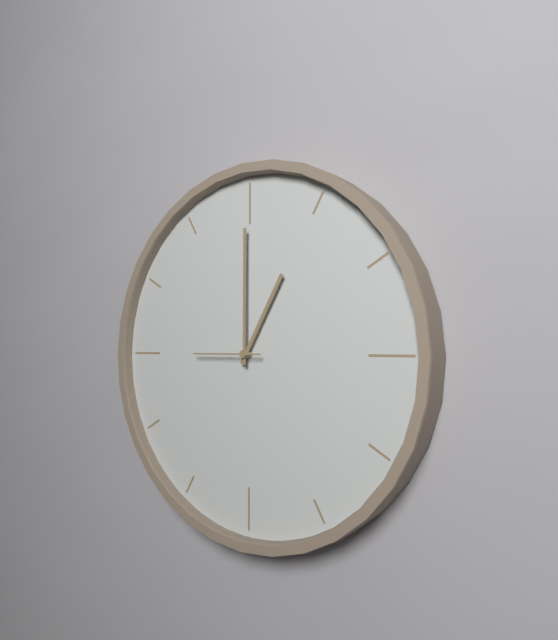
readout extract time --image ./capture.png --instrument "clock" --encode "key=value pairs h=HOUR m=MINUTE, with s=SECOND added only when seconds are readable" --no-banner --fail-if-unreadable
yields h=1 m=0 s=45
